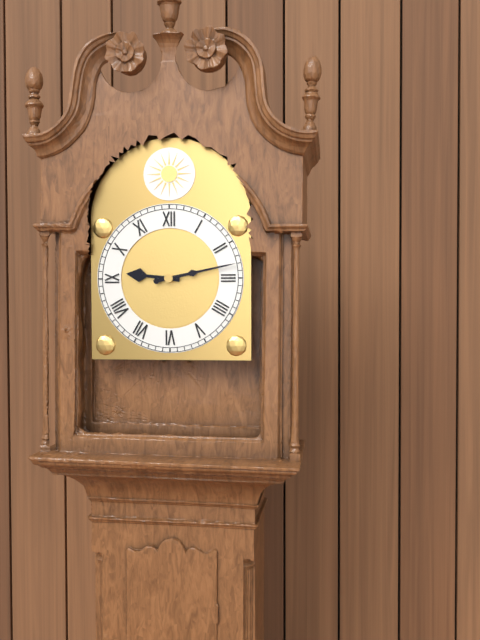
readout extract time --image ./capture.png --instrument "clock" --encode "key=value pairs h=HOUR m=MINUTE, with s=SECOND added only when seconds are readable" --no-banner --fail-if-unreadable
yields h=9 m=13
